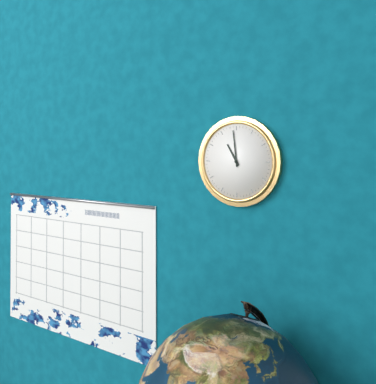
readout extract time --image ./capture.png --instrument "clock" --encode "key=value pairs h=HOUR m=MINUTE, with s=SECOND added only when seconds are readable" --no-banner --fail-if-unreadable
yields h=10 m=59
